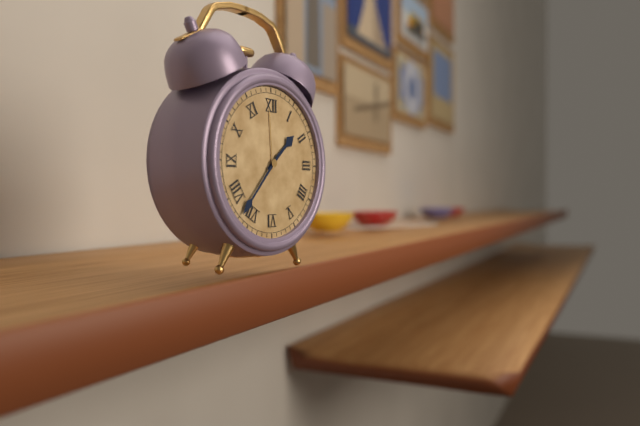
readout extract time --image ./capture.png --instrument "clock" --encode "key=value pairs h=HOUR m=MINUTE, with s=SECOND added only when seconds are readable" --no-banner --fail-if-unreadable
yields h=1 m=37
